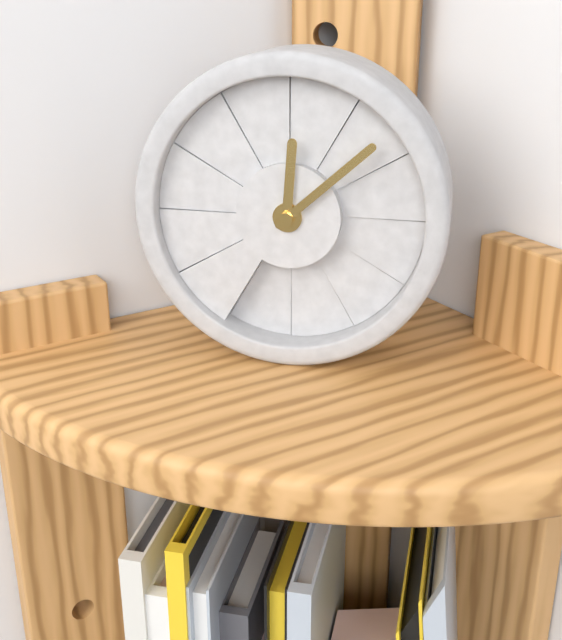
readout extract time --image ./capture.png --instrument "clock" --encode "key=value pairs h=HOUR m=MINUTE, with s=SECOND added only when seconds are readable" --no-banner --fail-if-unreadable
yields h=12 m=8
